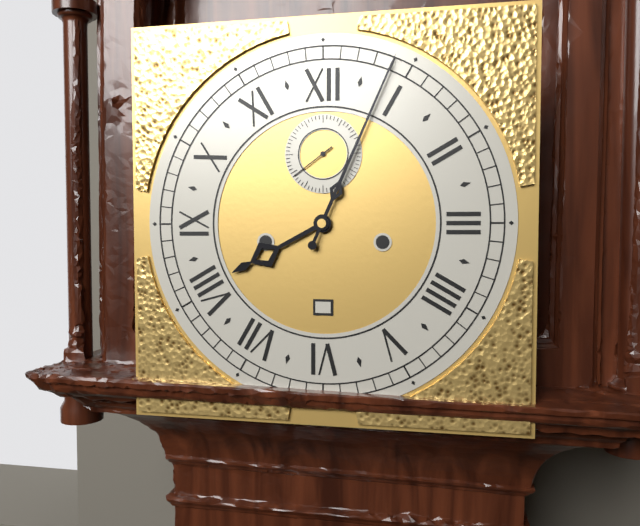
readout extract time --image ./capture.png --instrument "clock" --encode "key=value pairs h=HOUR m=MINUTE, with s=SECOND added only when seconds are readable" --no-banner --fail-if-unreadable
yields h=8 m=4
